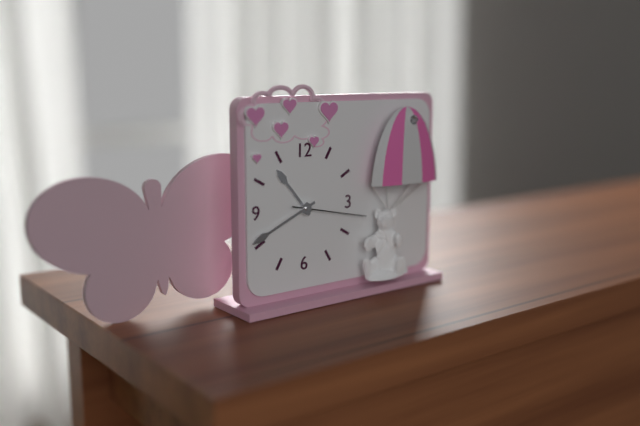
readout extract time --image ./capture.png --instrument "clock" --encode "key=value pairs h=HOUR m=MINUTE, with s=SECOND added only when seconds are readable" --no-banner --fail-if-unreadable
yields h=10 m=41 s=17
